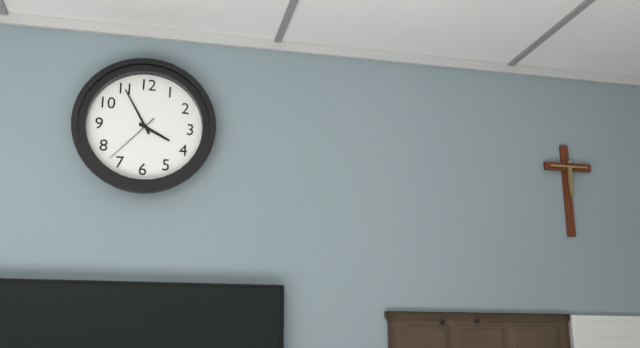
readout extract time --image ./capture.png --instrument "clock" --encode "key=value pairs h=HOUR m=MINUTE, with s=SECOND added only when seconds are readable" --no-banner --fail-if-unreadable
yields h=3 m=55 s=37
